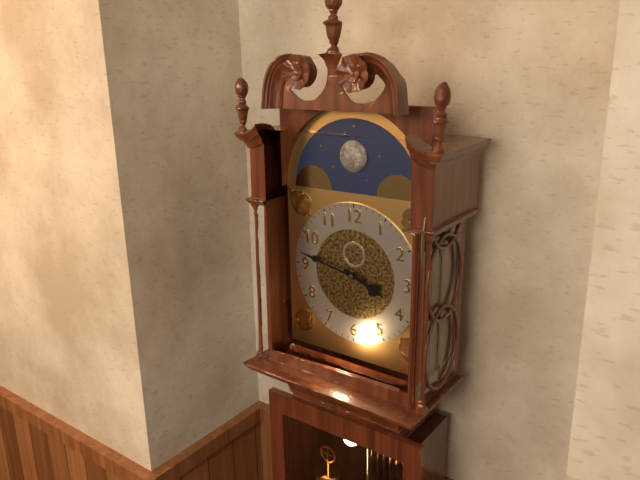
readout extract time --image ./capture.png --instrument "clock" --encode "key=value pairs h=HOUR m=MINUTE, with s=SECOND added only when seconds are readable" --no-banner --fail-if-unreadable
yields h=3 m=47
